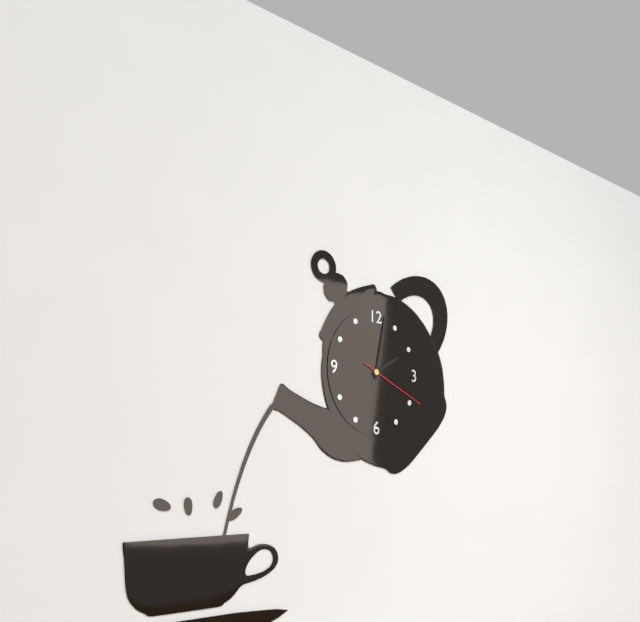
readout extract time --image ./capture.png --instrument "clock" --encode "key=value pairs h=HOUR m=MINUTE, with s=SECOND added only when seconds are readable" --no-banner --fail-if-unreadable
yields h=2 m=2 s=19
